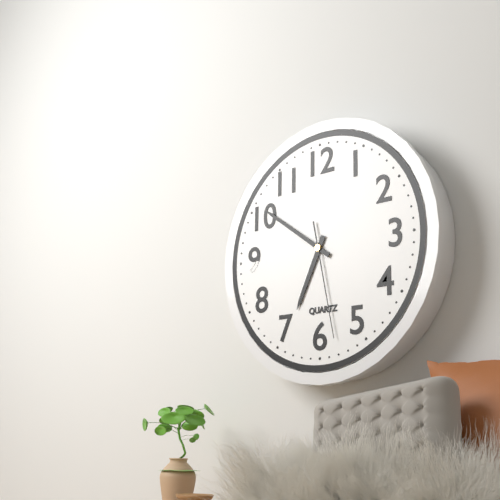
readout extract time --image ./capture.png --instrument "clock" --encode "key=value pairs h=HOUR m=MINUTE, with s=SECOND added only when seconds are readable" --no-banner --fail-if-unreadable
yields h=6 m=51 s=28
